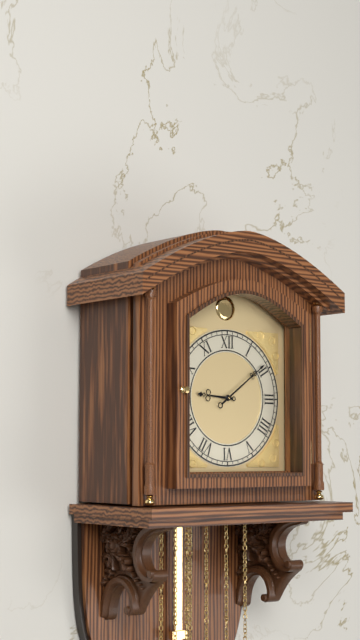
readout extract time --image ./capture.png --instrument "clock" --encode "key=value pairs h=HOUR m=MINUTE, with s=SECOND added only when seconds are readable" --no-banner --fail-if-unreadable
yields h=9 m=9
